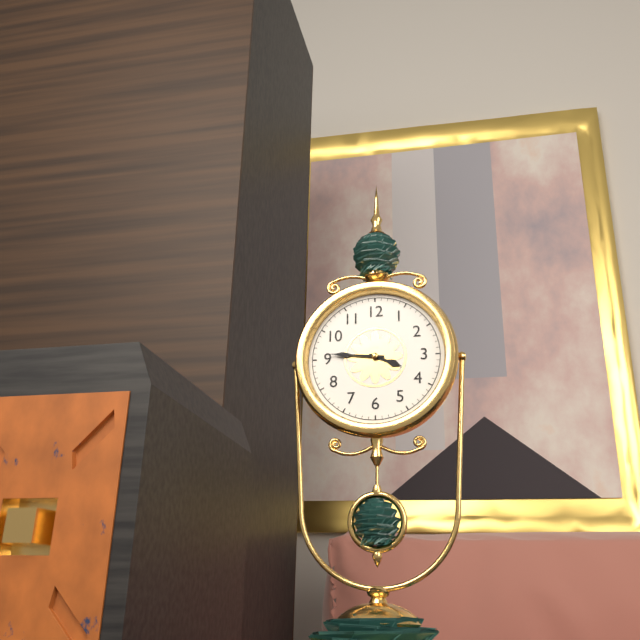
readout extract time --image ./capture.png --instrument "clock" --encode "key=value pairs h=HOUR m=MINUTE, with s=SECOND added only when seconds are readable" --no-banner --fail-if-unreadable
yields h=3 m=46
